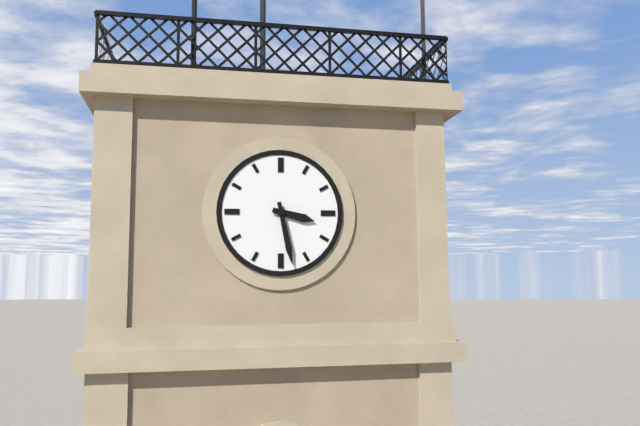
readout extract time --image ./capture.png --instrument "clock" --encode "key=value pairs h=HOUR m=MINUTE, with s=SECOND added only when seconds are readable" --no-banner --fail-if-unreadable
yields h=3 m=28
